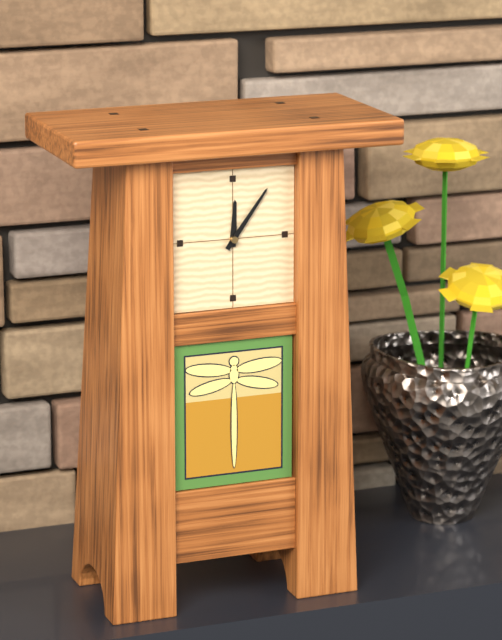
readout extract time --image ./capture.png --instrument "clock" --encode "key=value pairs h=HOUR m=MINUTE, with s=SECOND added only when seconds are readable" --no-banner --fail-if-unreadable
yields h=12 m=6
